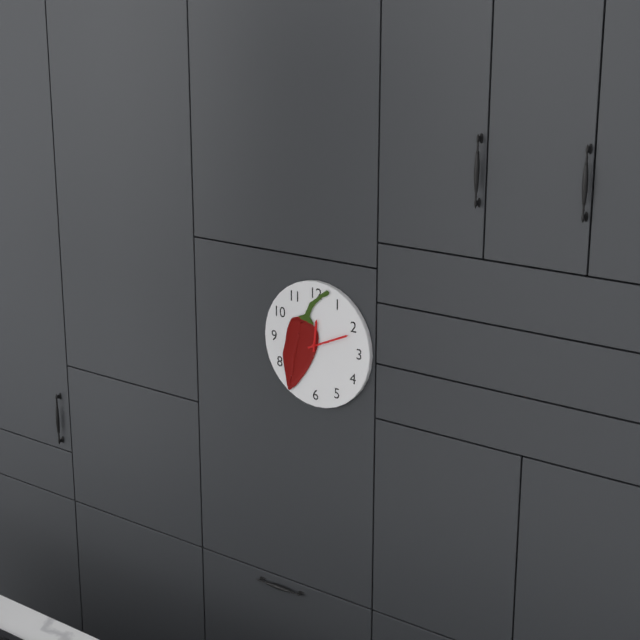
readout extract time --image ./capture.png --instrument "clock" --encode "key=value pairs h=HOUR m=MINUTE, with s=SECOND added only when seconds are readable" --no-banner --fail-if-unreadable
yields h=12 m=11
